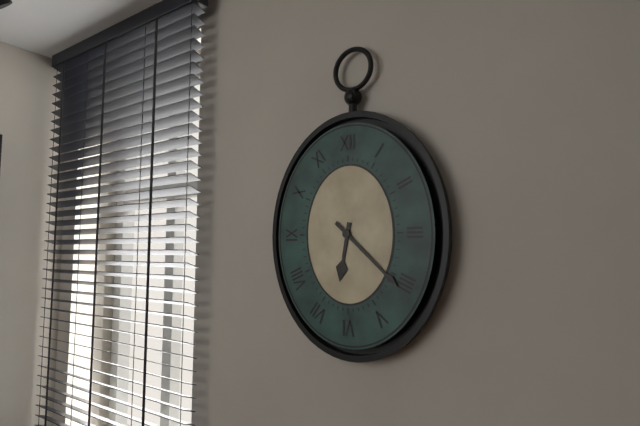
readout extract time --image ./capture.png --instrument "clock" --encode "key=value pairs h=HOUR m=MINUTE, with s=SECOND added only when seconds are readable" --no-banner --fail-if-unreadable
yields h=6 m=22
